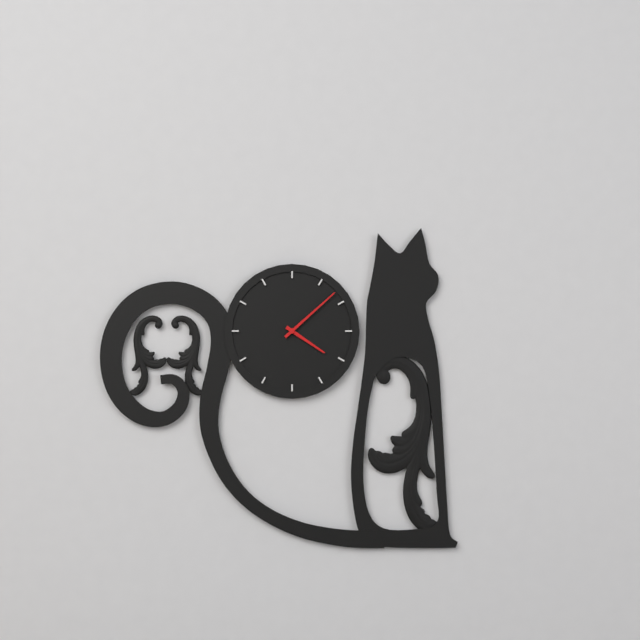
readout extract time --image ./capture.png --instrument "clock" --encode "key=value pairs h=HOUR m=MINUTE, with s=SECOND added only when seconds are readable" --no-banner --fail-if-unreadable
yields h=4 m=8
